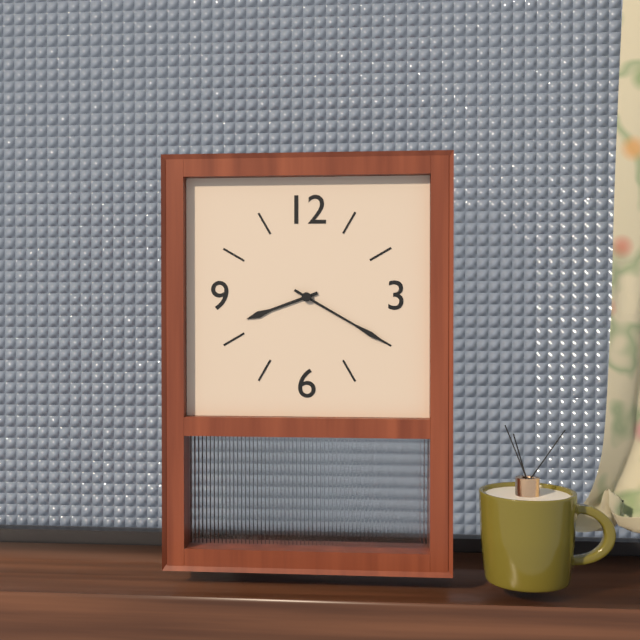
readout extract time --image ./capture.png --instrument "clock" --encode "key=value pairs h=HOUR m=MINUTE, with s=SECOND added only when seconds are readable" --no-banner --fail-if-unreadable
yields h=8 m=20
